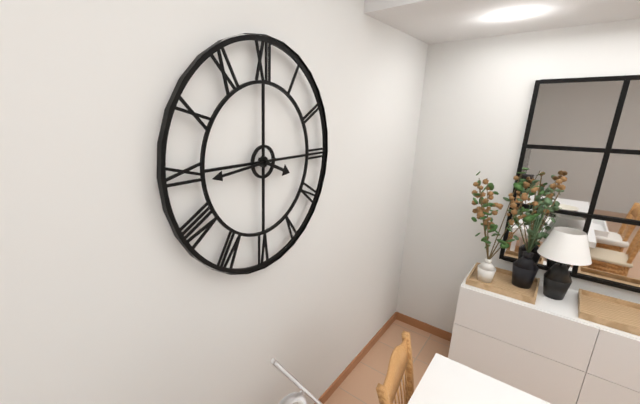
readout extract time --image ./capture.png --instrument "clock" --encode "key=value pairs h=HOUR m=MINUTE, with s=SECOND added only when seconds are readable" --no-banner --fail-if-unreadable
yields h=3 m=44
